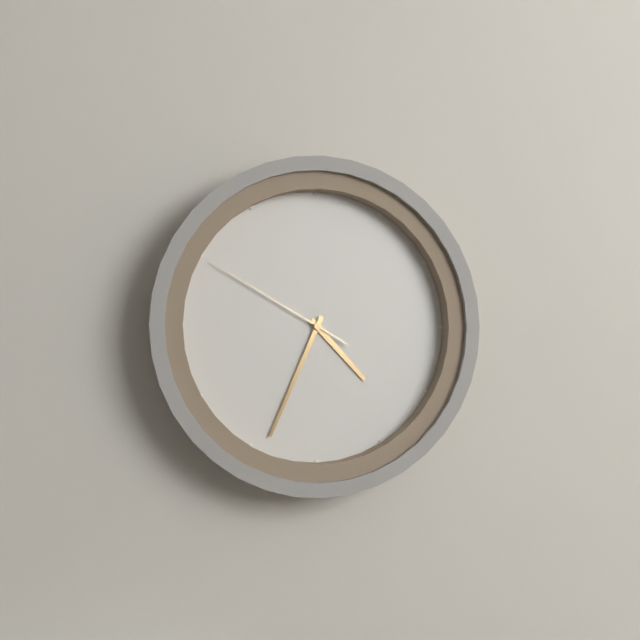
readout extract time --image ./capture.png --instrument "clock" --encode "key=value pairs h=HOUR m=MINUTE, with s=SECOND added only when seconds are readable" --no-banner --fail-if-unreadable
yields h=4 m=34 s=50
